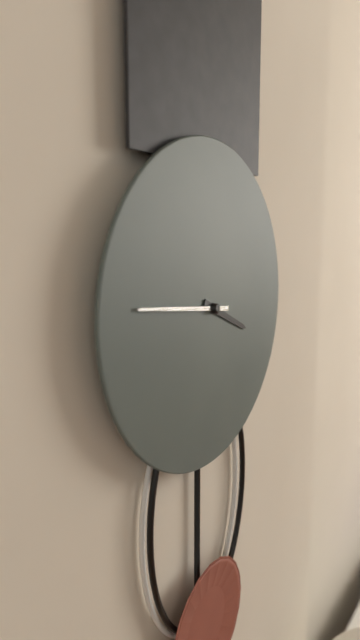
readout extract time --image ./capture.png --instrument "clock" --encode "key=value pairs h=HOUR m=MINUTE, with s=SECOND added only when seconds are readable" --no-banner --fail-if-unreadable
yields h=3 m=46
